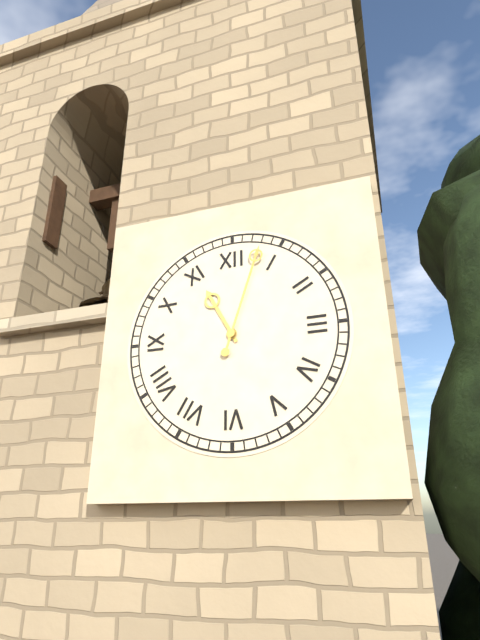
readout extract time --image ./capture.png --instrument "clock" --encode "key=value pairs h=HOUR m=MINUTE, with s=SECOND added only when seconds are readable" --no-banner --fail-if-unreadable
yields h=11 m=3
